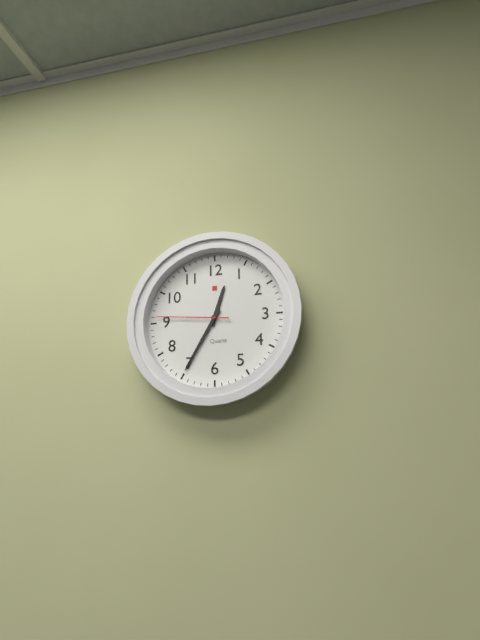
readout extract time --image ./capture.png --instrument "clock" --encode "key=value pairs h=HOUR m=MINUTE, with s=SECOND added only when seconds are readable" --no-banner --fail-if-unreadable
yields h=12 m=35 s=46
